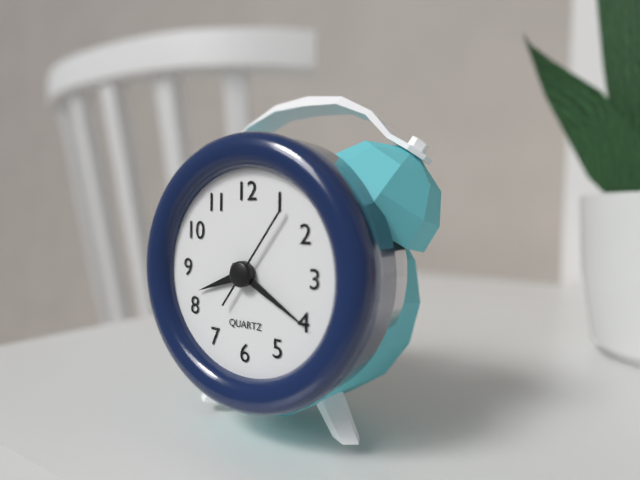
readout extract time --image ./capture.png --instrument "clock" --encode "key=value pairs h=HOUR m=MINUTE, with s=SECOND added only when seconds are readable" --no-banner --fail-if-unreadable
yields h=8 m=20 s=6
